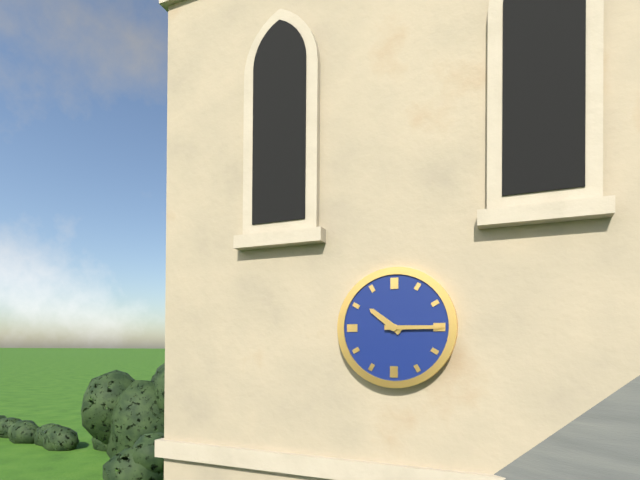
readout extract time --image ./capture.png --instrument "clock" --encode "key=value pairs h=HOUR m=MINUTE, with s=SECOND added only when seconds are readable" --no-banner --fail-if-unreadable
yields h=10 m=15
